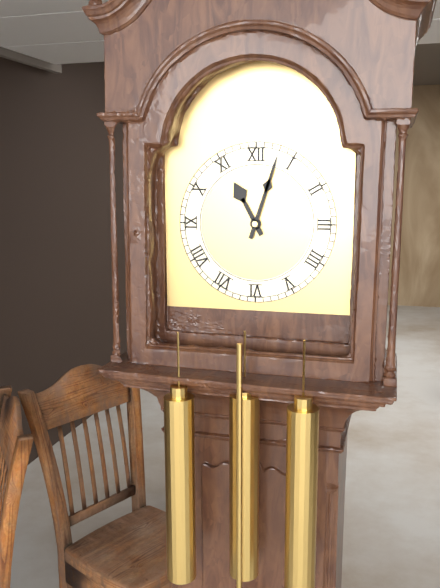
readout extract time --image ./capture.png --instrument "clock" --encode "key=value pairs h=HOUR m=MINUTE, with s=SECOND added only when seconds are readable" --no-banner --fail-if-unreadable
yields h=11 m=3
